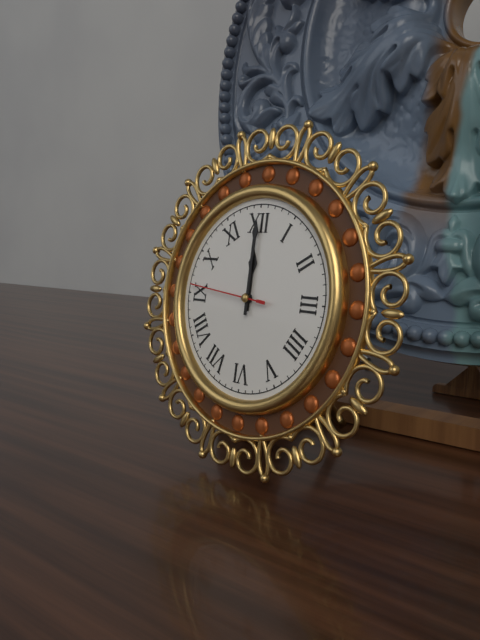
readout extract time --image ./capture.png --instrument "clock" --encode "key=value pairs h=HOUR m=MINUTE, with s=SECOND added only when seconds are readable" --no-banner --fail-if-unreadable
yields h=12 m=0 s=46
